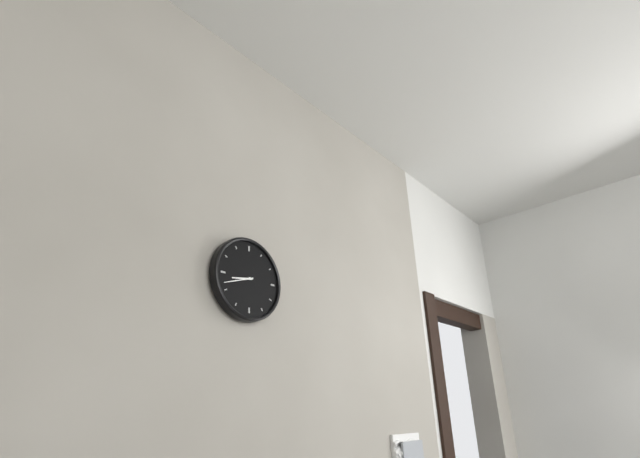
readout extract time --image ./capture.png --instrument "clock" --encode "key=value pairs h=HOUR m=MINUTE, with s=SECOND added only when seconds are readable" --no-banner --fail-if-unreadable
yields h=8 m=42
